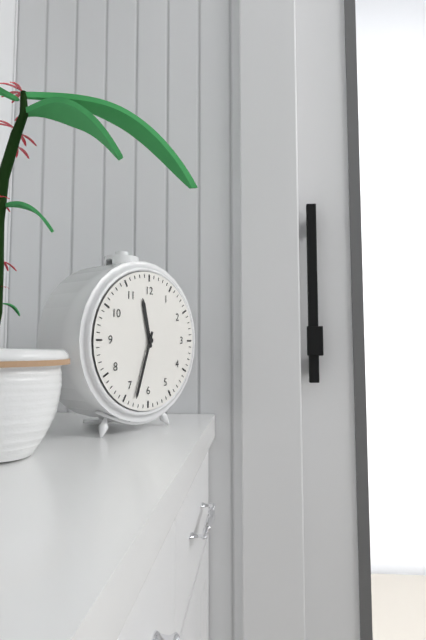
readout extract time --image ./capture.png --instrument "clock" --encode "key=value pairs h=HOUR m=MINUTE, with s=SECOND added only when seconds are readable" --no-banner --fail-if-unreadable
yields h=11 m=33
